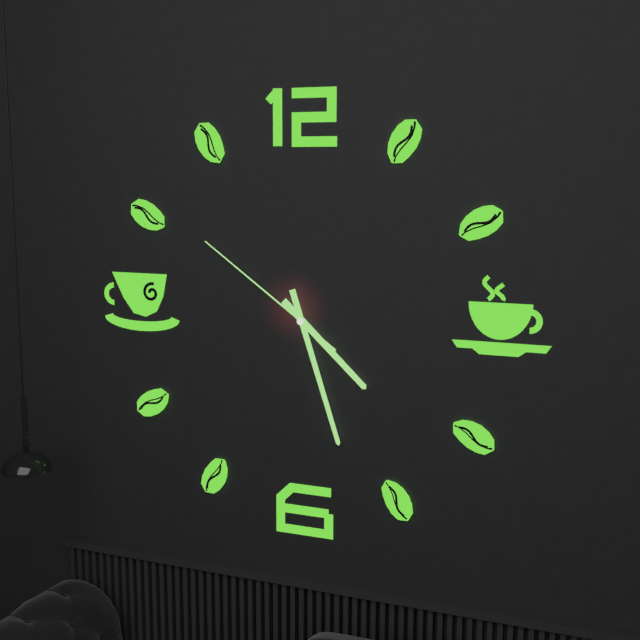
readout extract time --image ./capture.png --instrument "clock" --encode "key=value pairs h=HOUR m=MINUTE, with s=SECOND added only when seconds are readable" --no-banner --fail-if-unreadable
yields h=4 m=27 s=51
